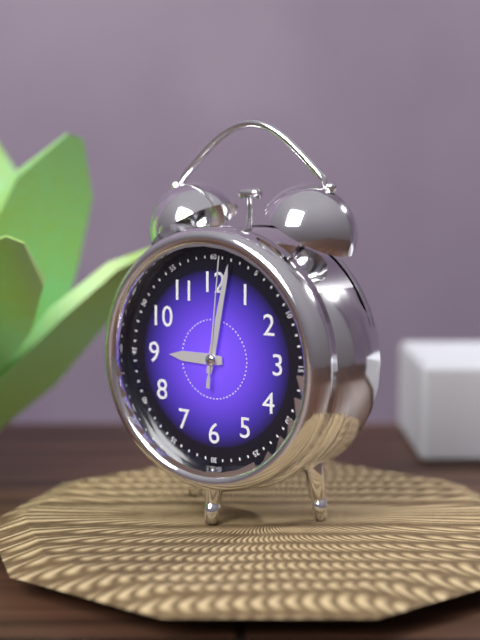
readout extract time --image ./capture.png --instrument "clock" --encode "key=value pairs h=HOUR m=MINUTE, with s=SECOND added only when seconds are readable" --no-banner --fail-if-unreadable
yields h=9 m=2 s=1
